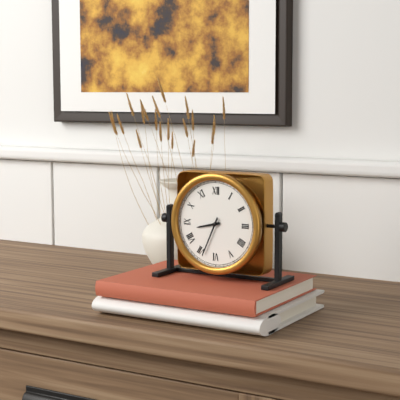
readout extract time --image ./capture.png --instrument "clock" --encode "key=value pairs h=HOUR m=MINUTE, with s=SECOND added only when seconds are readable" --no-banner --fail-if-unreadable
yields h=8 m=34
